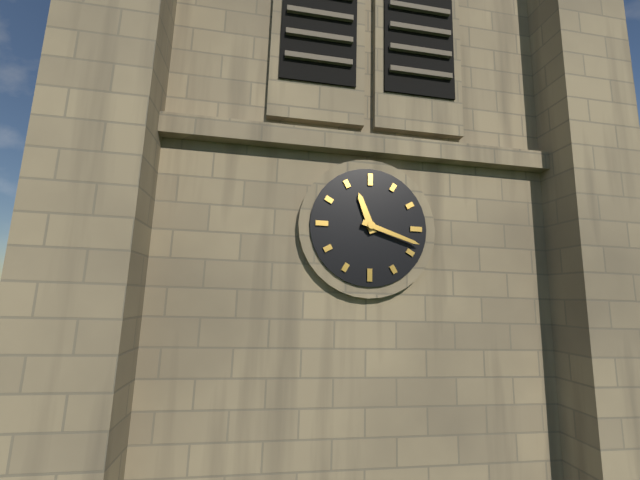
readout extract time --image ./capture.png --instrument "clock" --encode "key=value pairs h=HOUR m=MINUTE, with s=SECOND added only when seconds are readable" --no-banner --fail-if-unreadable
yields h=11 m=18
